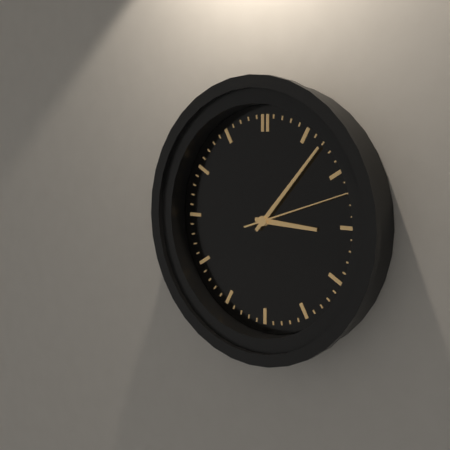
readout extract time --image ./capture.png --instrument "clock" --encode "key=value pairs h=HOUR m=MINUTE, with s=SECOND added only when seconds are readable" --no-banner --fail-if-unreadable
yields h=3 m=7 s=12
